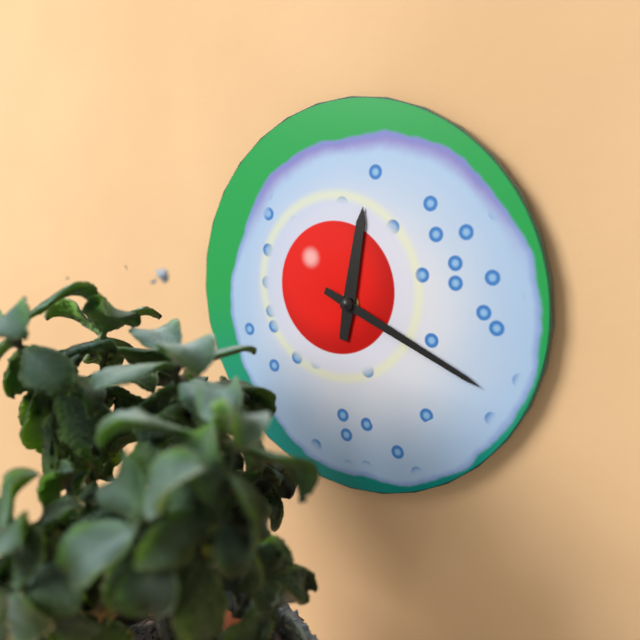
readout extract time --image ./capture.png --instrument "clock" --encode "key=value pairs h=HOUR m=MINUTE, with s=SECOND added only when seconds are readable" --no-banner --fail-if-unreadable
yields h=12 m=19
